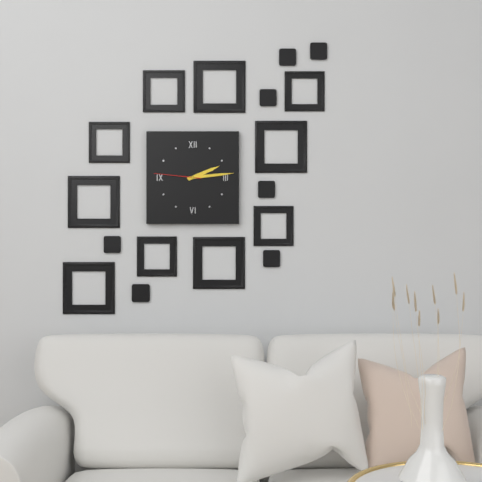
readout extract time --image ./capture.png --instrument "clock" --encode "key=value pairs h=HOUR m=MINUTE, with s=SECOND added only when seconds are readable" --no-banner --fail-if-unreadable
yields h=2 m=14
